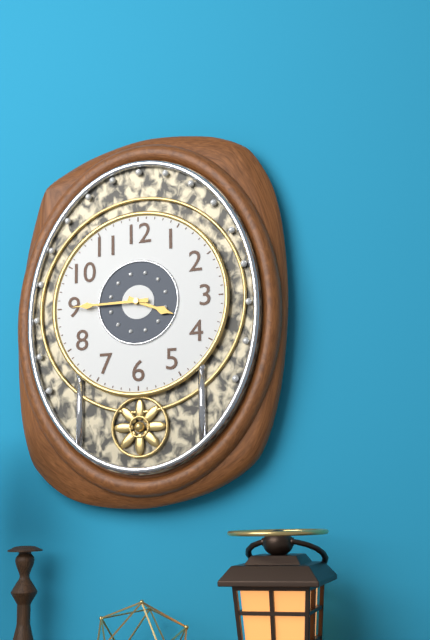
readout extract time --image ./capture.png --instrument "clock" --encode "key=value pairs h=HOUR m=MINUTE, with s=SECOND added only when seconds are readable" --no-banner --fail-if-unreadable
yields h=3 m=45
